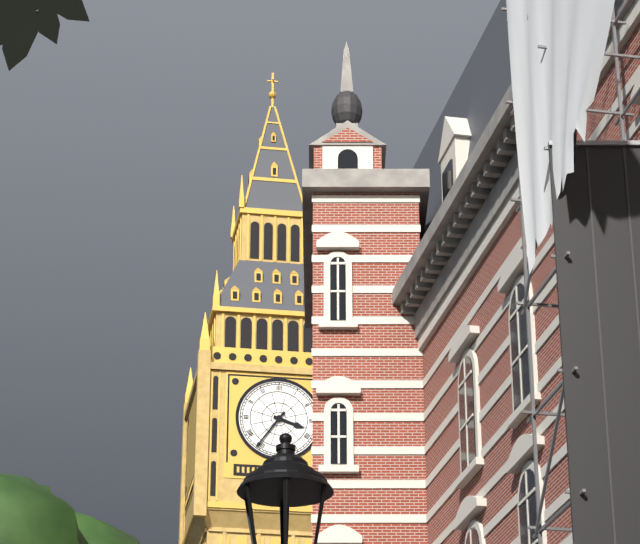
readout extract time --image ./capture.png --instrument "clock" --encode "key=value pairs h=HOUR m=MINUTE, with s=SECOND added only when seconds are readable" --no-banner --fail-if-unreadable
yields h=3 m=36
